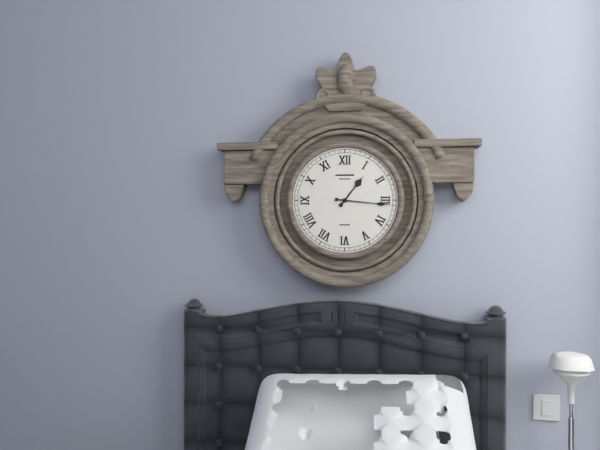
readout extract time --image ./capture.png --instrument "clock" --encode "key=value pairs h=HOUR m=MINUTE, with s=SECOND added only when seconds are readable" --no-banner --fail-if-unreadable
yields h=1 m=16
